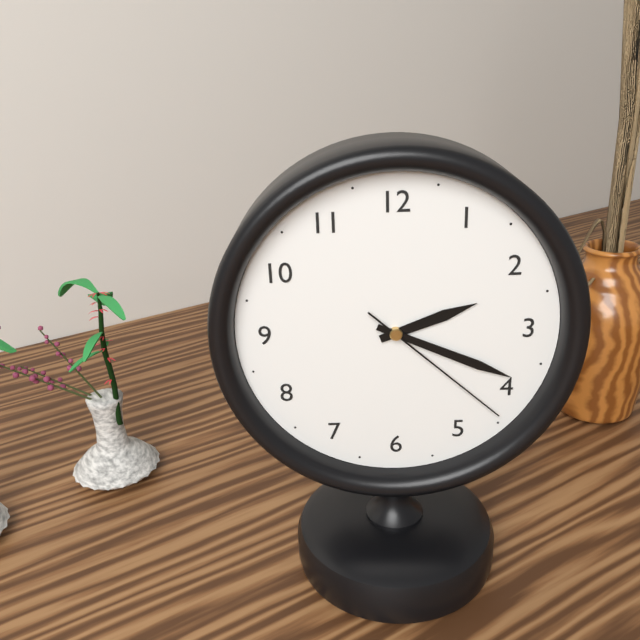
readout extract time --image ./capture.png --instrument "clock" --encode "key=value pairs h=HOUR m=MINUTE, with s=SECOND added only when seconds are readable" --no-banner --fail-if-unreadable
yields h=2 m=19 s=22
